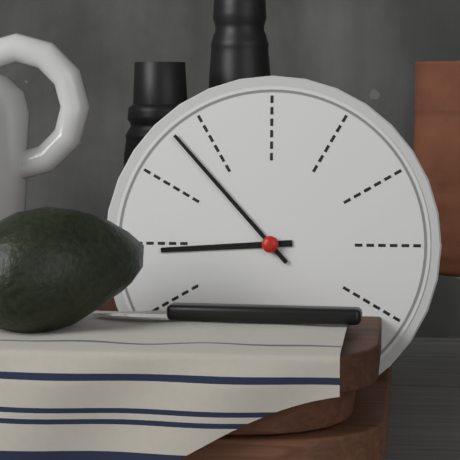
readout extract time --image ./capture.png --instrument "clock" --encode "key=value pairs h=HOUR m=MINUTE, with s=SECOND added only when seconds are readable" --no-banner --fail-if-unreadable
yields h=8 m=53
